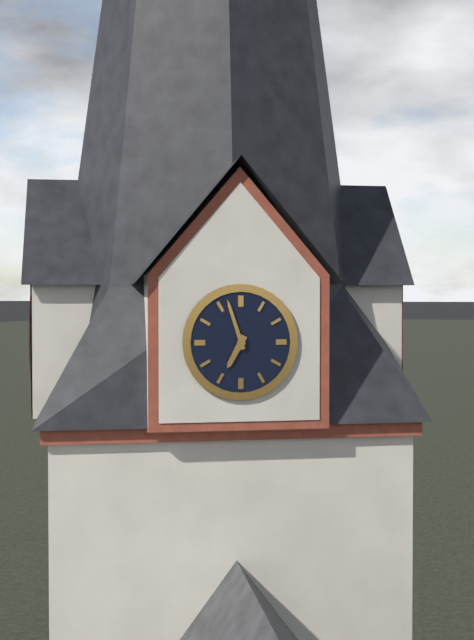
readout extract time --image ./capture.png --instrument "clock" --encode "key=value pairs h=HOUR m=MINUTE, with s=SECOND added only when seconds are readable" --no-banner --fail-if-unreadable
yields h=6 m=57
